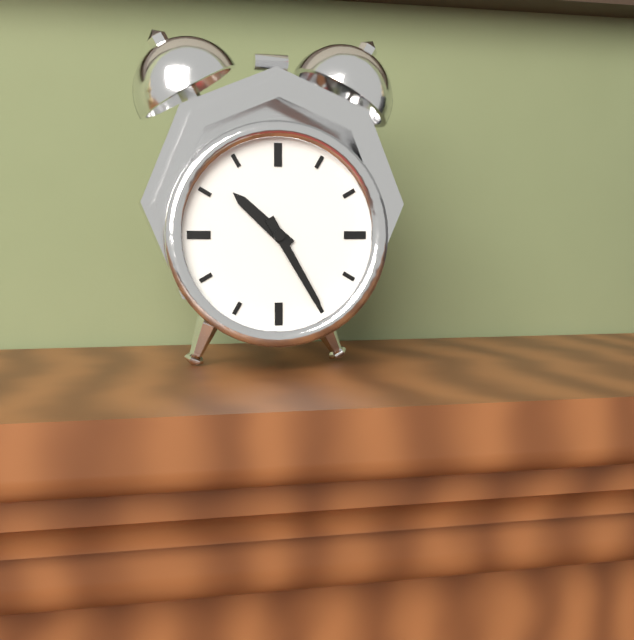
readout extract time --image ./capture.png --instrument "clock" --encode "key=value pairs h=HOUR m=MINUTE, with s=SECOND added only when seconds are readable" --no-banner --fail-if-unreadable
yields h=10 m=25
